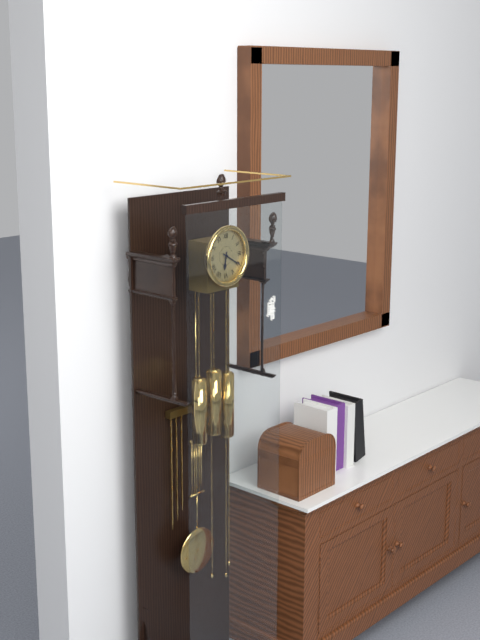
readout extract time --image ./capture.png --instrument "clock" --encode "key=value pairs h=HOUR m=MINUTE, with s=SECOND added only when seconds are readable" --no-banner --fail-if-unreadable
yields h=6 m=20
